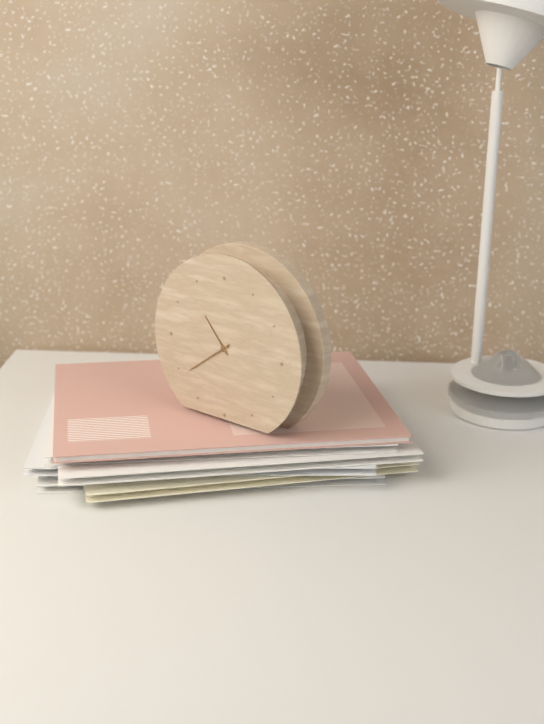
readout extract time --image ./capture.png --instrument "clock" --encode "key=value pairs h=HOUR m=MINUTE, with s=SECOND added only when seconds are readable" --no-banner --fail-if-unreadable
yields h=10 m=39
